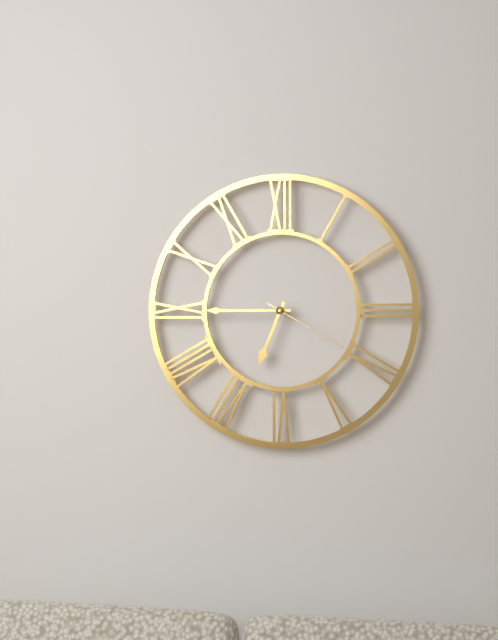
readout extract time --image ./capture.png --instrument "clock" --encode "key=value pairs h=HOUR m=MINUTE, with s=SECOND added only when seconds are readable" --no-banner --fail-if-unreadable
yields h=6 m=45 s=20
